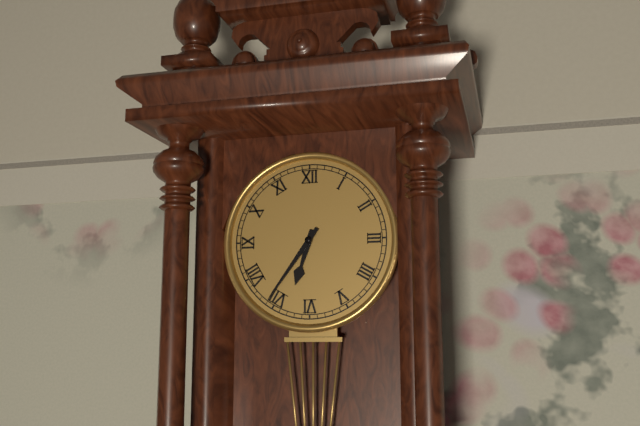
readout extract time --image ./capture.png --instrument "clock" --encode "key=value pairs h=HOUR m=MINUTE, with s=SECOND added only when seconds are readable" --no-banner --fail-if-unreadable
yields h=6 m=36
